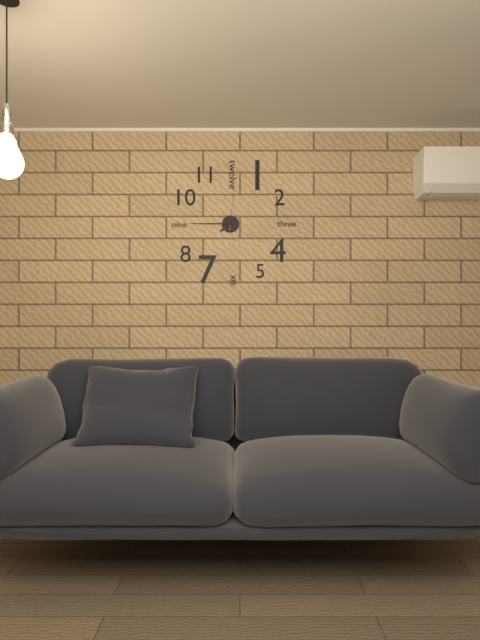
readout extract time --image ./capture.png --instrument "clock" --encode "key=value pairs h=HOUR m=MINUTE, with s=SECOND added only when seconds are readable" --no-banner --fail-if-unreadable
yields h=7 m=45
